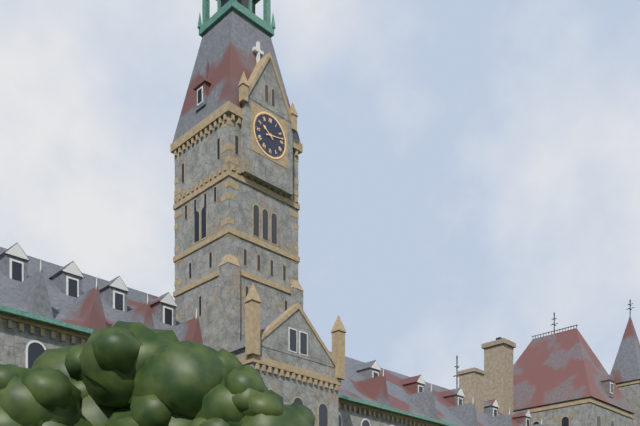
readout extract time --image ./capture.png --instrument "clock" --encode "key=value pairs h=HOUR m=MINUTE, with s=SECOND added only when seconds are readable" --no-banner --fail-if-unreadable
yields h=10 m=13
